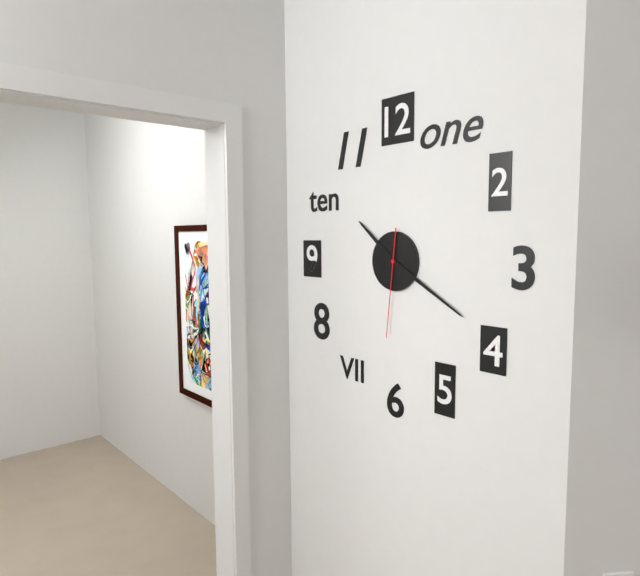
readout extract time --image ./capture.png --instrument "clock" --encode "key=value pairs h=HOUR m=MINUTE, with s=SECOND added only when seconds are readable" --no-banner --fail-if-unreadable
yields h=10 m=20 s=31
